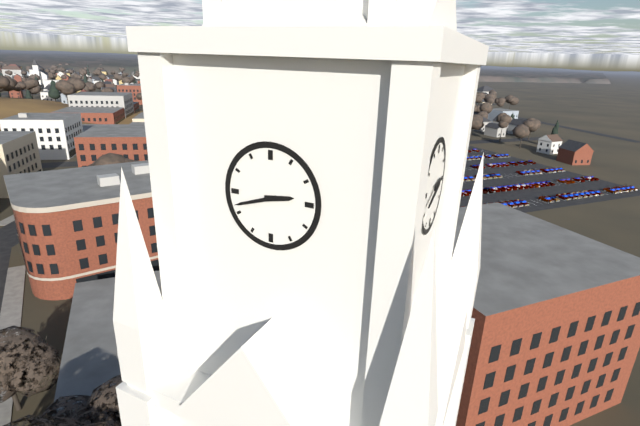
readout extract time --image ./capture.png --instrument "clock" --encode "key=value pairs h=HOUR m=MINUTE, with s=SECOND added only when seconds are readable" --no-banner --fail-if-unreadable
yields h=2 m=42
